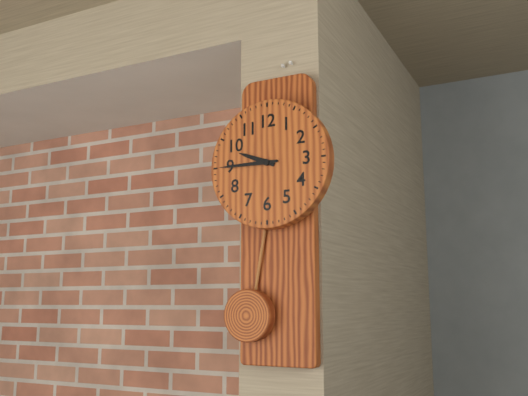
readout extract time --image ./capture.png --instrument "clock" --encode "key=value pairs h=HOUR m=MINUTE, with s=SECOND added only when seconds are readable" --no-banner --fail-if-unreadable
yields h=9 m=45
